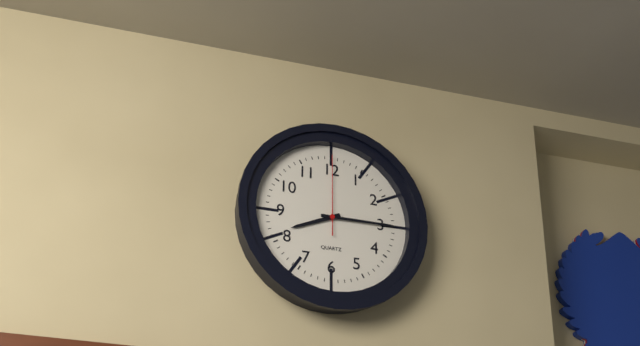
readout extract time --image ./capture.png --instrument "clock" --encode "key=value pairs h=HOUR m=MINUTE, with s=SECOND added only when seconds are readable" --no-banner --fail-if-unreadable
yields h=8 m=15 s=0
